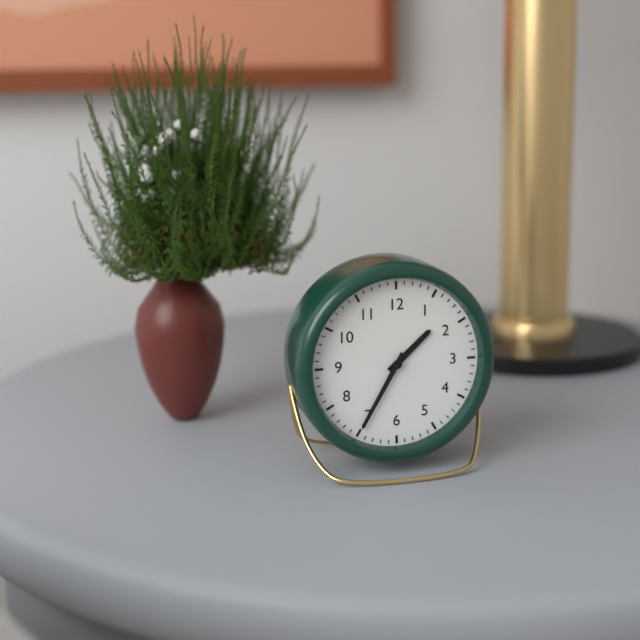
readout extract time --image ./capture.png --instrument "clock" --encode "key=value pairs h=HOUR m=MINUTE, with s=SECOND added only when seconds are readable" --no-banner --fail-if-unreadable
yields h=1 m=35
